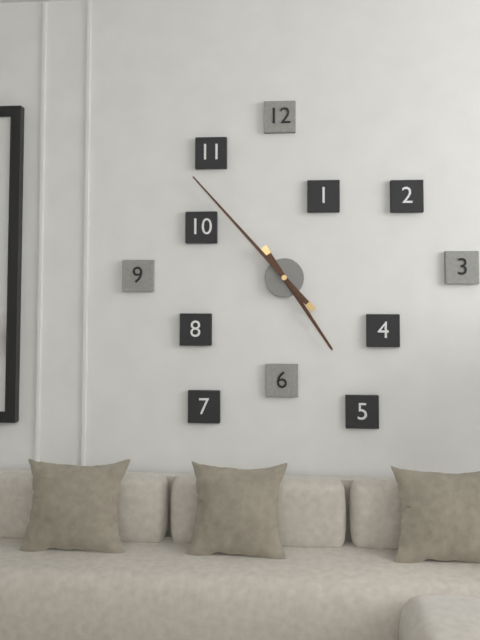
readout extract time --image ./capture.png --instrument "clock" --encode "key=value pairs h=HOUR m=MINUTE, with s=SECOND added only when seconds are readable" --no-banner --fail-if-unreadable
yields h=4 m=53
